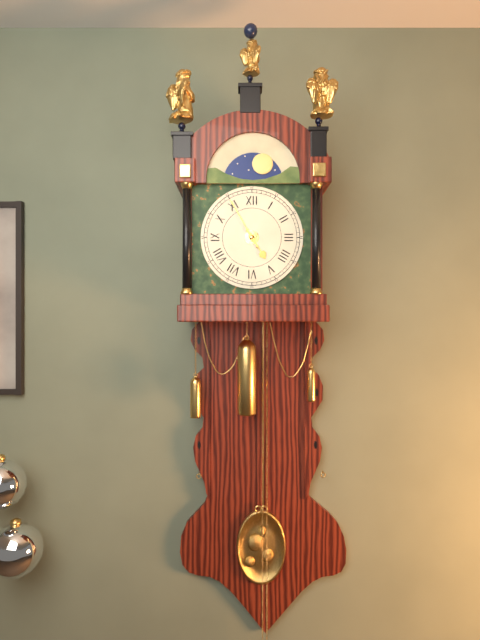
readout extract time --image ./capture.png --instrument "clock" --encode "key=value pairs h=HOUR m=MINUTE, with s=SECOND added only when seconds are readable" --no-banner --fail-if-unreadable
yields h=4 m=55
